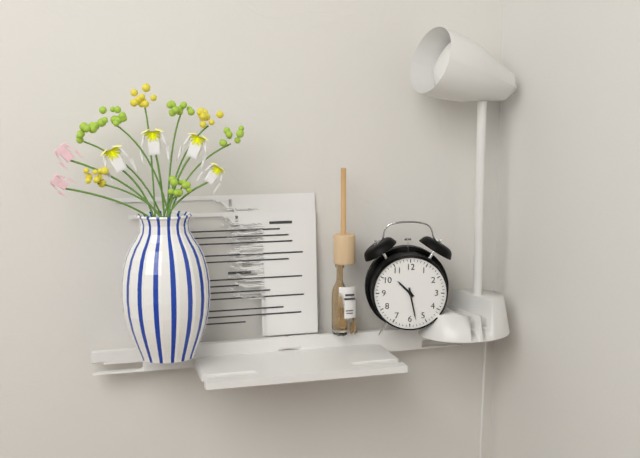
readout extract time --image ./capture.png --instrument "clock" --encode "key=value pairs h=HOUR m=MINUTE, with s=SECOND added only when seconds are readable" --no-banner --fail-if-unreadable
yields h=10 m=28
